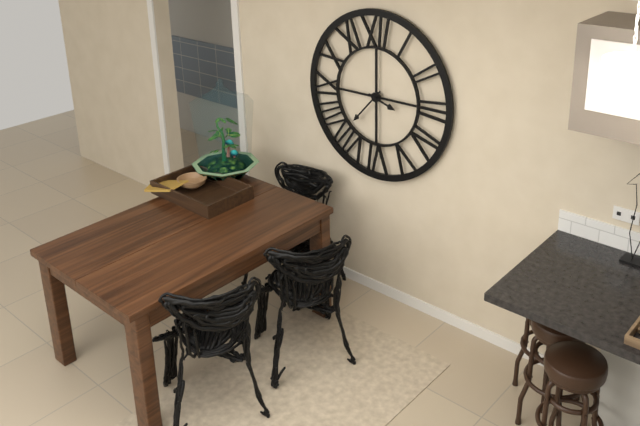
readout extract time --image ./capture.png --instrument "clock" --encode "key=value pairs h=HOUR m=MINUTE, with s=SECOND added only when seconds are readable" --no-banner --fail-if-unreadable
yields h=3 m=37
